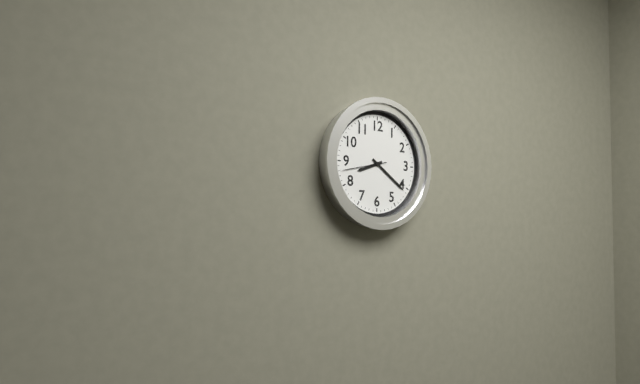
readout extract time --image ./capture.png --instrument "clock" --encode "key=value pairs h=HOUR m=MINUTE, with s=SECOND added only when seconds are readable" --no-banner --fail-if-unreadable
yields h=8 m=21
